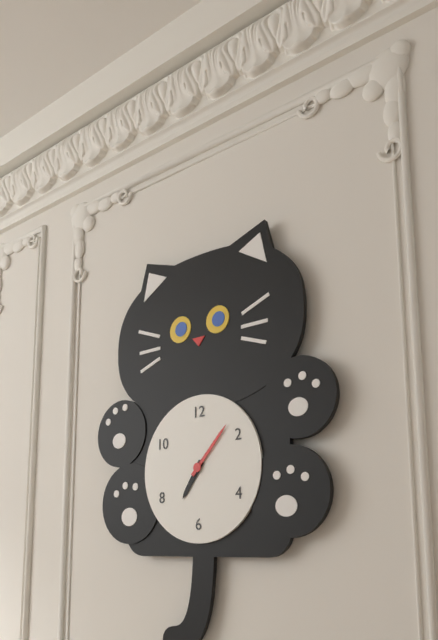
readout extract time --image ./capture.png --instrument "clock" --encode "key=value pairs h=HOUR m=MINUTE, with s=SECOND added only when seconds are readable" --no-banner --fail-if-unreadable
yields h=7 m=7
